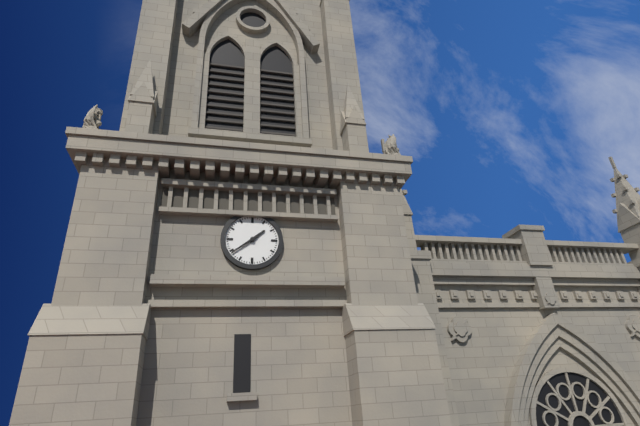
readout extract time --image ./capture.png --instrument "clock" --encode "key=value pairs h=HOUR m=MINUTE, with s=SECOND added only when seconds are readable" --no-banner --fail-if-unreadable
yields h=1 m=39
